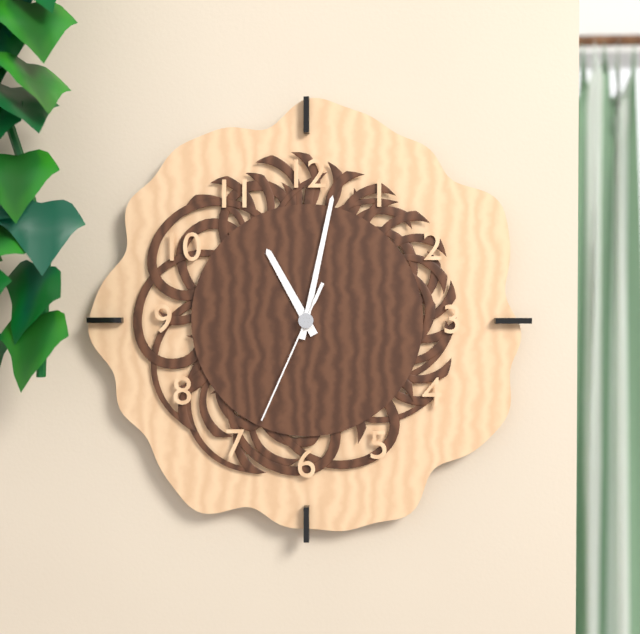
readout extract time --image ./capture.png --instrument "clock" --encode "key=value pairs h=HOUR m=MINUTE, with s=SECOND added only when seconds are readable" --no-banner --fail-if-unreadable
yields h=11 m=2 s=34
